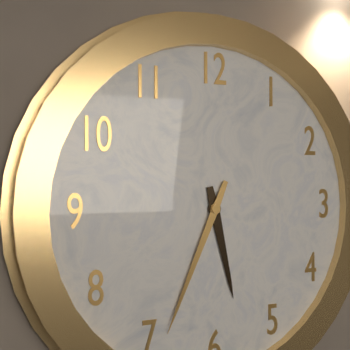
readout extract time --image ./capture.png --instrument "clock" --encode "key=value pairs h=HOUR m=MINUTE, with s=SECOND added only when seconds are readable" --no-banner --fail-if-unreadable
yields h=5 m=34
